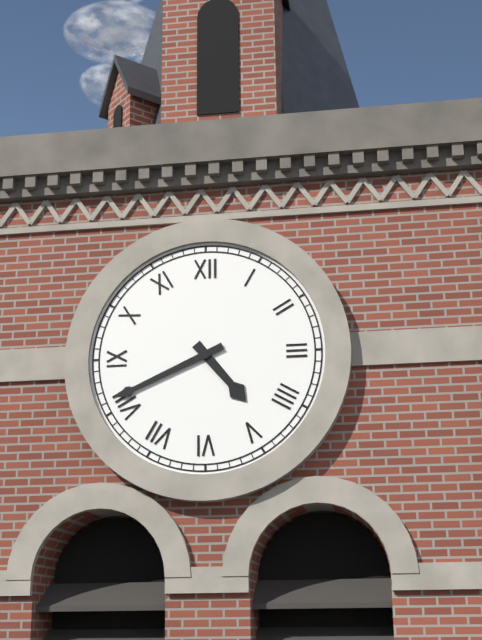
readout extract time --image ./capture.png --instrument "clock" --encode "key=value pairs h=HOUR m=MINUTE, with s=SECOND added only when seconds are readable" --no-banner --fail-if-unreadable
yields h=4 m=41
